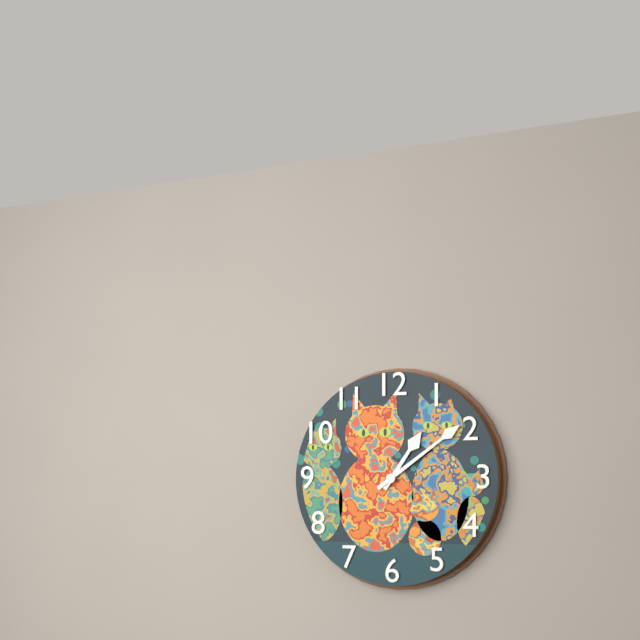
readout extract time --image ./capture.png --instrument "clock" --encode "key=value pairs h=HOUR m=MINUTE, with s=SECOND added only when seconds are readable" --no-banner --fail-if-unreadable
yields h=1 m=9
